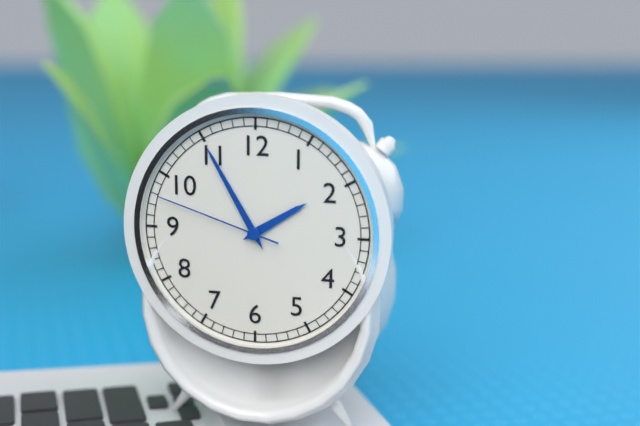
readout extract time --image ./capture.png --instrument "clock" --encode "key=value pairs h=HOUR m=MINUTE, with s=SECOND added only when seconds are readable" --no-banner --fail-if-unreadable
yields h=1 m=55 s=48
